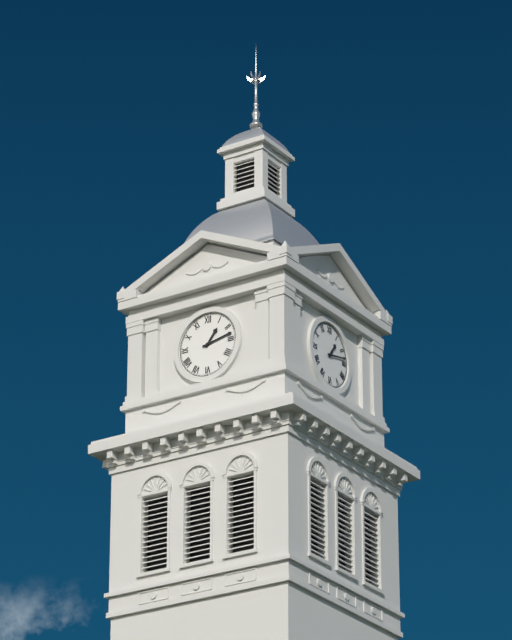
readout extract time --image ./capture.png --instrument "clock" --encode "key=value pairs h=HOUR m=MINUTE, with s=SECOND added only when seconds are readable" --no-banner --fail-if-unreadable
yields h=1 m=13
